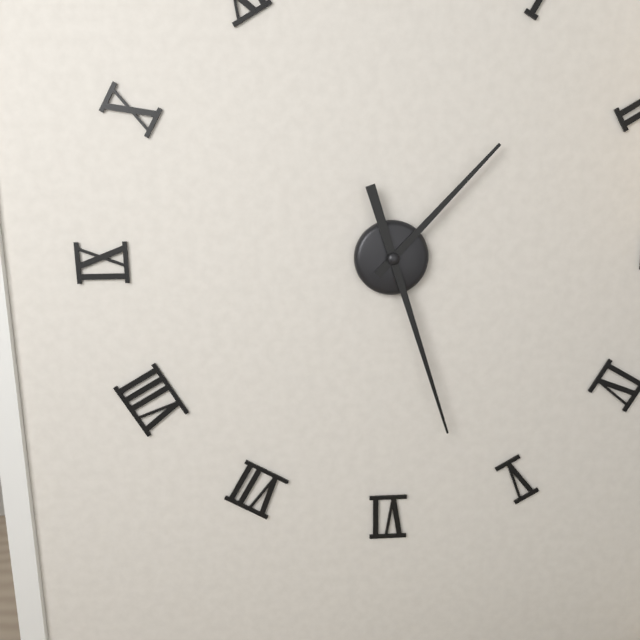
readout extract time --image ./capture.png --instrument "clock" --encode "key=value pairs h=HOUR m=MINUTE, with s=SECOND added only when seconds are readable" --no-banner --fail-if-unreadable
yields h=1 m=27
